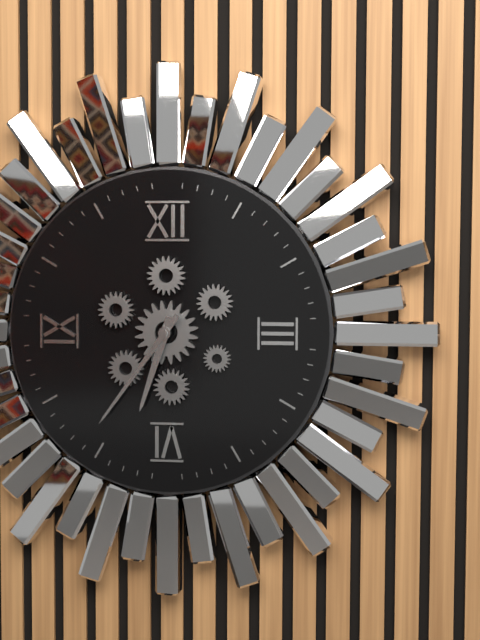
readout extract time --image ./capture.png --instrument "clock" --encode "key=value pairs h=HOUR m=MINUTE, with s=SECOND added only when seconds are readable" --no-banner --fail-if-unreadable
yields h=6 m=36
